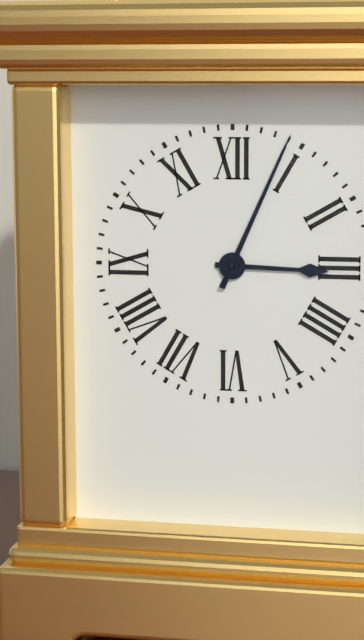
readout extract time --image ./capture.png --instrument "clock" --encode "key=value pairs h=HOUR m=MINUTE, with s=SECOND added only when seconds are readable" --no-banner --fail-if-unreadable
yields h=3 m=4
